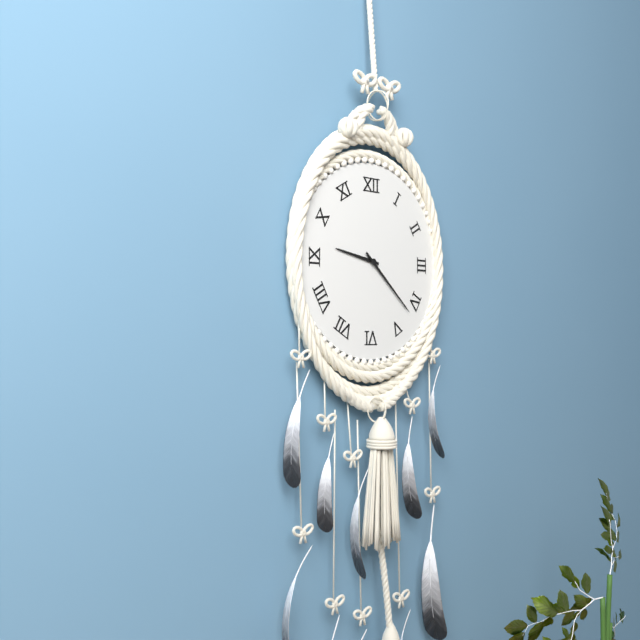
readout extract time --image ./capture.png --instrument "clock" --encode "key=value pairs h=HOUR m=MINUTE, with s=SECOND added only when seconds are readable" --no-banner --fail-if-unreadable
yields h=9 m=22
